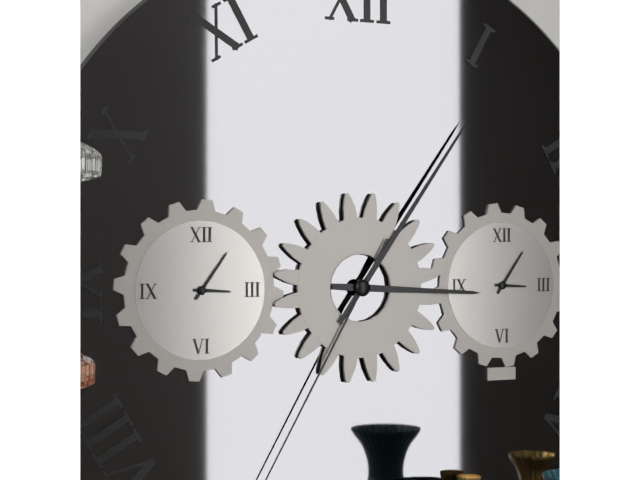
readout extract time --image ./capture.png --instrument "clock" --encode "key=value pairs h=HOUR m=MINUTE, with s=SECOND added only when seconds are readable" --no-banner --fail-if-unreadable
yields h=3 m=6
